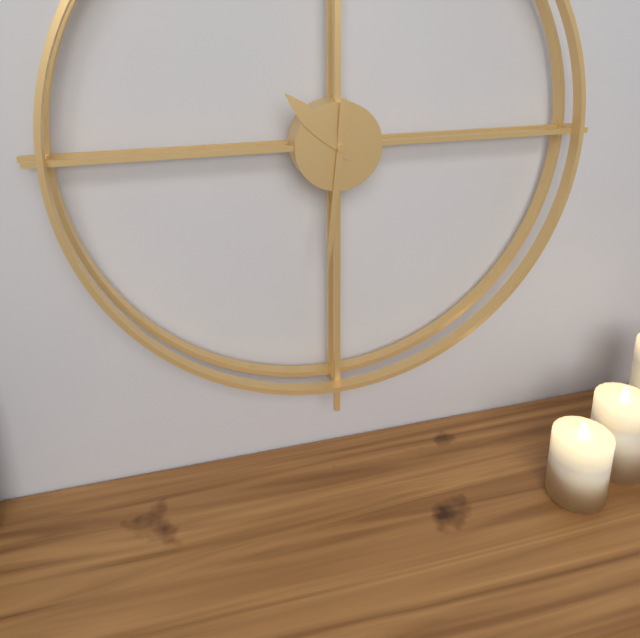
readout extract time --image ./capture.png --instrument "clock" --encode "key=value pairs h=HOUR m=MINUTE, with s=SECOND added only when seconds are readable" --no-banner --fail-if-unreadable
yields h=10 m=31
